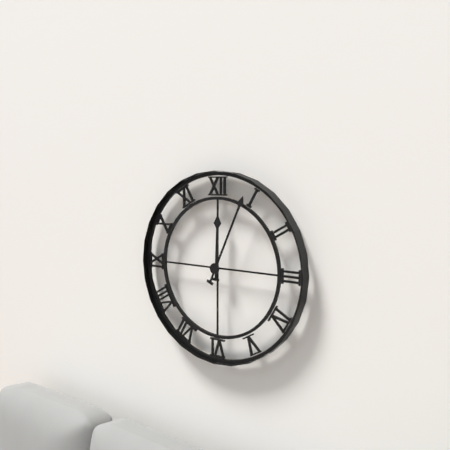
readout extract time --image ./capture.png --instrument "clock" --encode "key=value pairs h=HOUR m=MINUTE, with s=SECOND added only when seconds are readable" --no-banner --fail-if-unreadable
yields h=12 m=4
